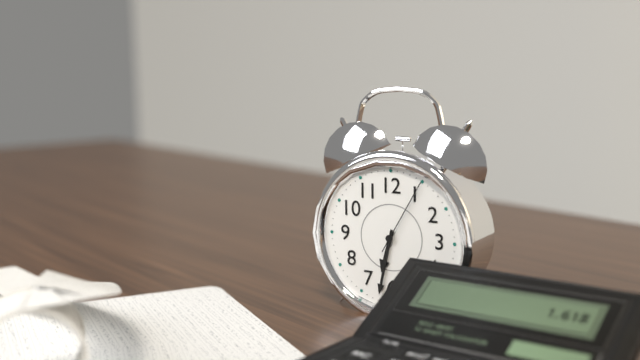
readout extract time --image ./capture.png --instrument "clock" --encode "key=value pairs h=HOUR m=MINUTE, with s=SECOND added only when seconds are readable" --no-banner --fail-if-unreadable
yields h=6 m=32 s=5
